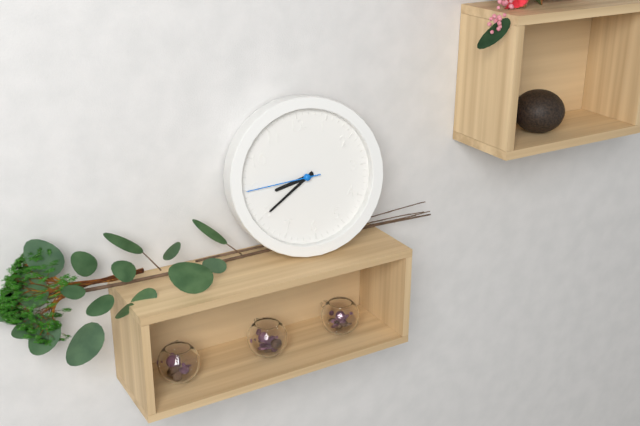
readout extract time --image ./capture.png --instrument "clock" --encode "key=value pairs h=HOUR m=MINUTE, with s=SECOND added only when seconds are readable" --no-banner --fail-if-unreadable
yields h=8 m=40 s=45
